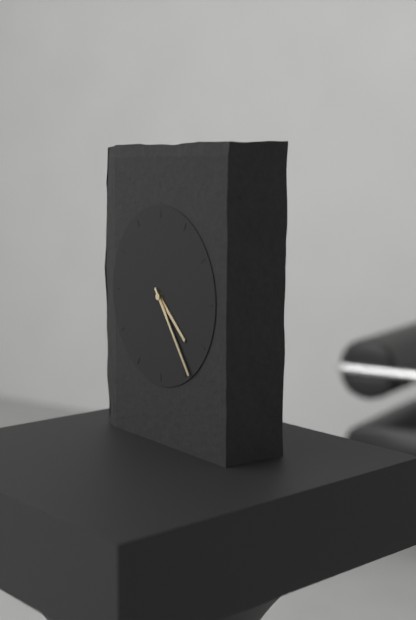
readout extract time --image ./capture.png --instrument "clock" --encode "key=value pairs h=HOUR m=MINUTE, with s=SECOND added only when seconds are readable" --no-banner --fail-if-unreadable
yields h=4 m=24
